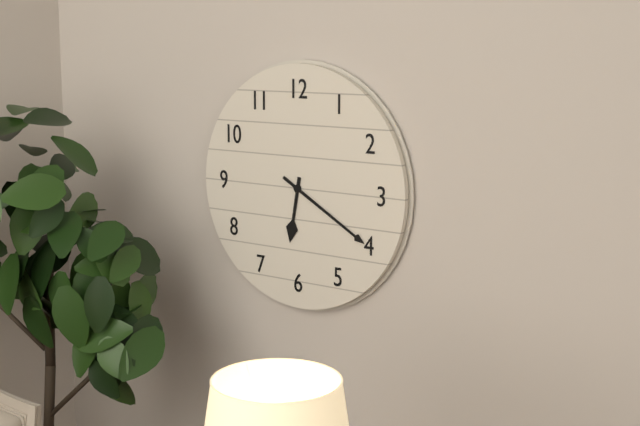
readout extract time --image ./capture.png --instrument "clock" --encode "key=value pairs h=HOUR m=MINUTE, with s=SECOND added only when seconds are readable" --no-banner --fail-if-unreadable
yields h=6 m=20
